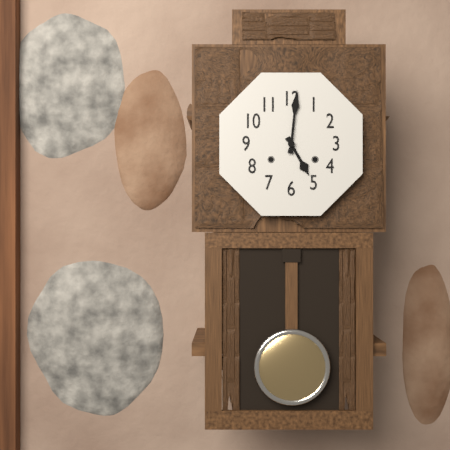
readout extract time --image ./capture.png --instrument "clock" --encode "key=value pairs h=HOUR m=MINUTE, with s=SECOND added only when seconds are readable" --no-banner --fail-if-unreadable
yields h=5 m=1
